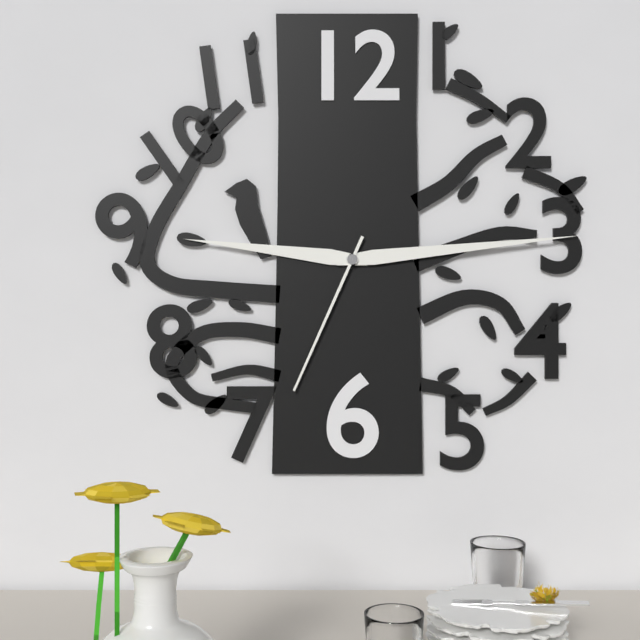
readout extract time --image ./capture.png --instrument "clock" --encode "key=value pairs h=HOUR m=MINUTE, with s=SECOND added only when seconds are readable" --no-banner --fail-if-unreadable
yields h=9 m=14 s=34
